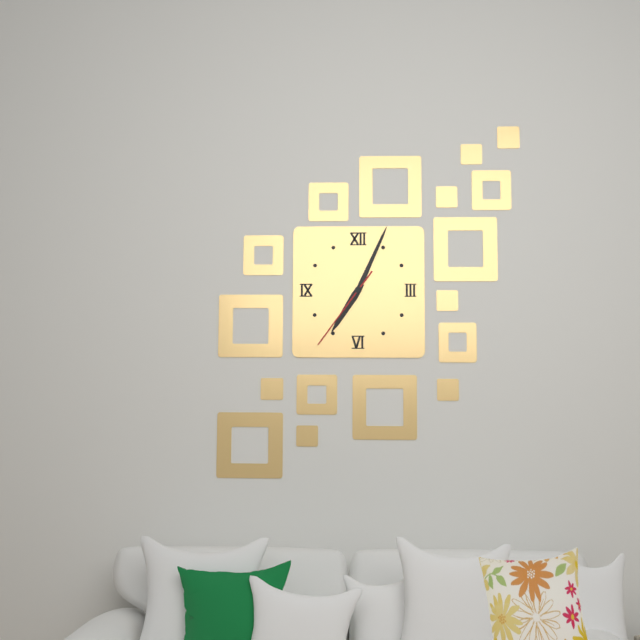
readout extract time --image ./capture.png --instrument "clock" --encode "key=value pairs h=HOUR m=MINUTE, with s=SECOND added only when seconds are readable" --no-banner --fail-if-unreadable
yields h=7 m=4 s=36
